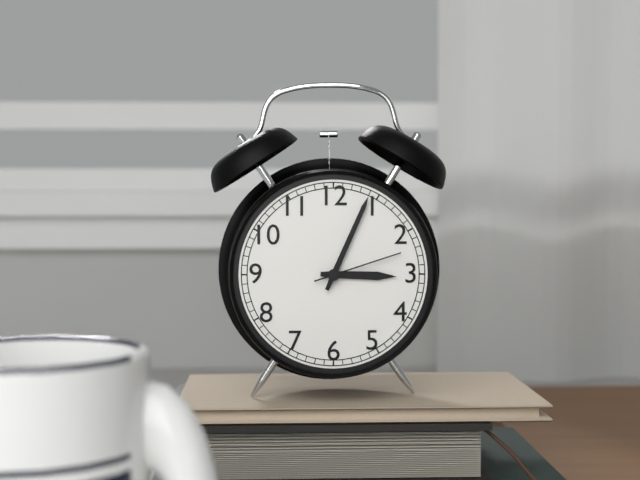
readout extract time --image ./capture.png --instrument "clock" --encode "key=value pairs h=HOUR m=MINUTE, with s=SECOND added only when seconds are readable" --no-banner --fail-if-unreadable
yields h=3 m=4 s=12
